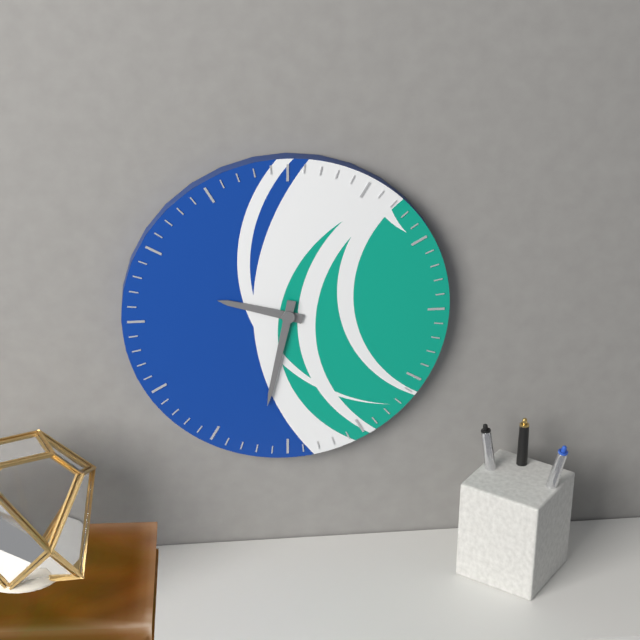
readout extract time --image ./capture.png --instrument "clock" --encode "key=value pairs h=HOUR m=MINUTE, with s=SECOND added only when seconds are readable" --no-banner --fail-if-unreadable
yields h=9 m=32
